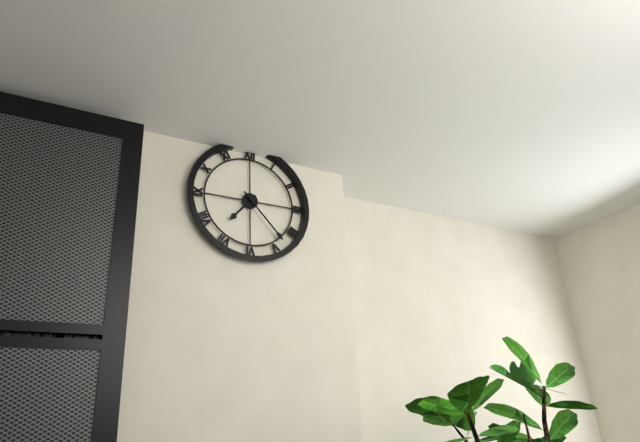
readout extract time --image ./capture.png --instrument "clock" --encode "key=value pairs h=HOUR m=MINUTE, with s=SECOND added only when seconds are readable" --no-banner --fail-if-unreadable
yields h=7 m=23
